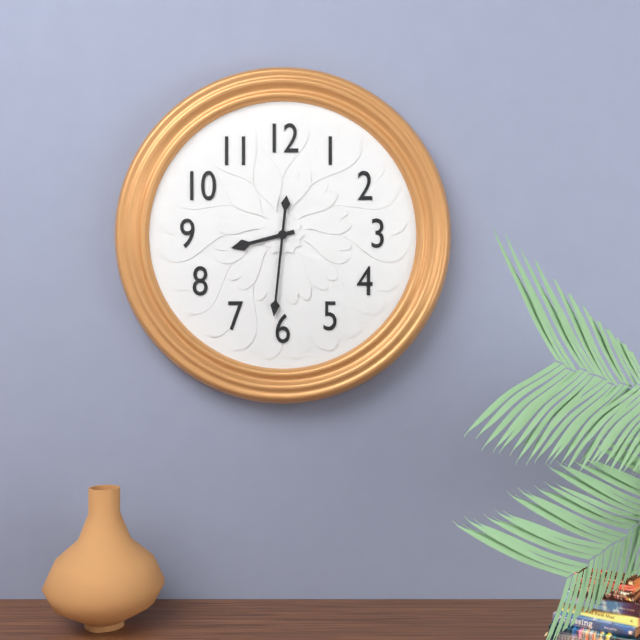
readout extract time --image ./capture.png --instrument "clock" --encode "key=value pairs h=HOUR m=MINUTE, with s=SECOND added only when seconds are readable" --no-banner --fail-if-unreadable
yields h=8 m=31
